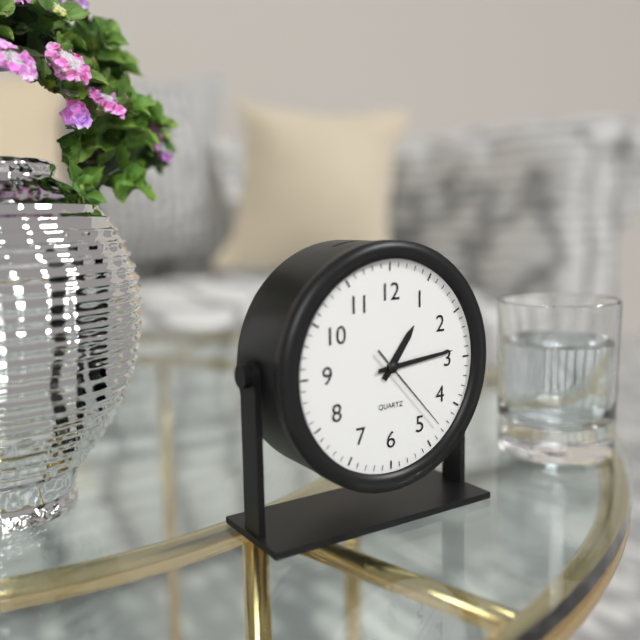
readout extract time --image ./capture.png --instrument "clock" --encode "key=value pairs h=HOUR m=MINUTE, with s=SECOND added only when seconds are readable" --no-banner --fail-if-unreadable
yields h=1 m=14 s=23
